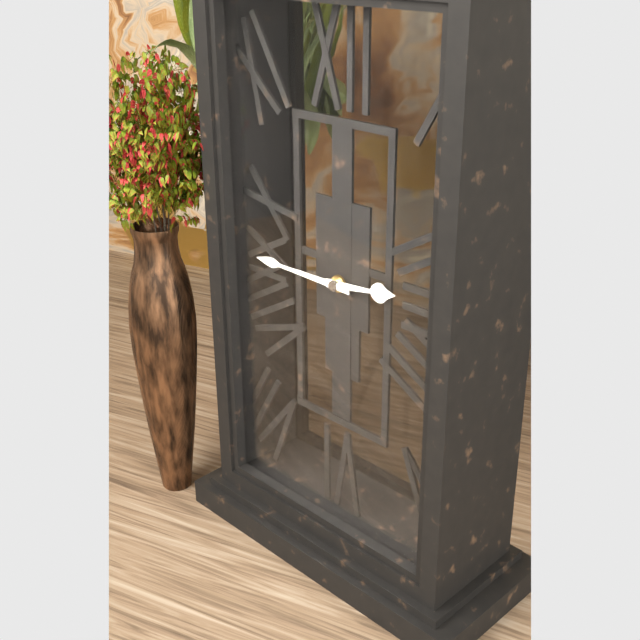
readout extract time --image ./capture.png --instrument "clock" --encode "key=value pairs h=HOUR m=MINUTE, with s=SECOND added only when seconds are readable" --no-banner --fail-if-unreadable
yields h=2 m=45
